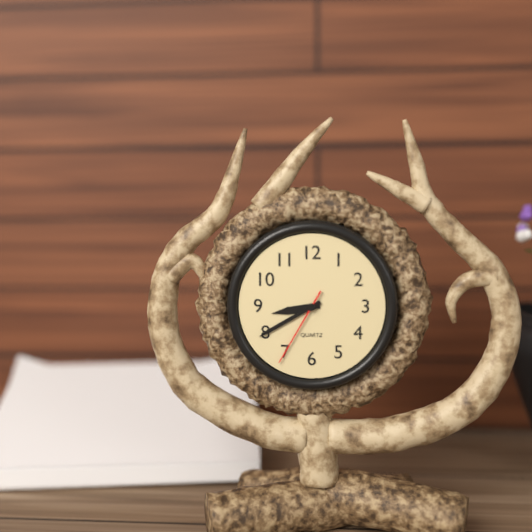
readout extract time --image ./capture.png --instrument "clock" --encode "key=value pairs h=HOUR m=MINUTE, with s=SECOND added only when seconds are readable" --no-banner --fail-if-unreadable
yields h=8 m=40 s=35
